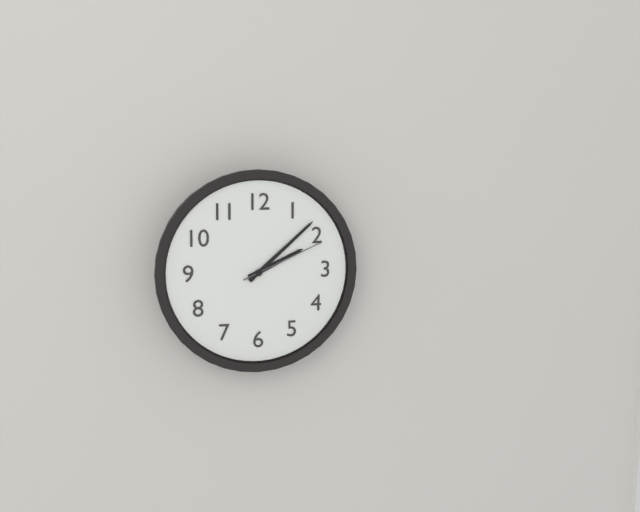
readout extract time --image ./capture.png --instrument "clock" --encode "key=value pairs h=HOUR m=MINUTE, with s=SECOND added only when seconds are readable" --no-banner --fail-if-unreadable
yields h=2 m=8 s=11
